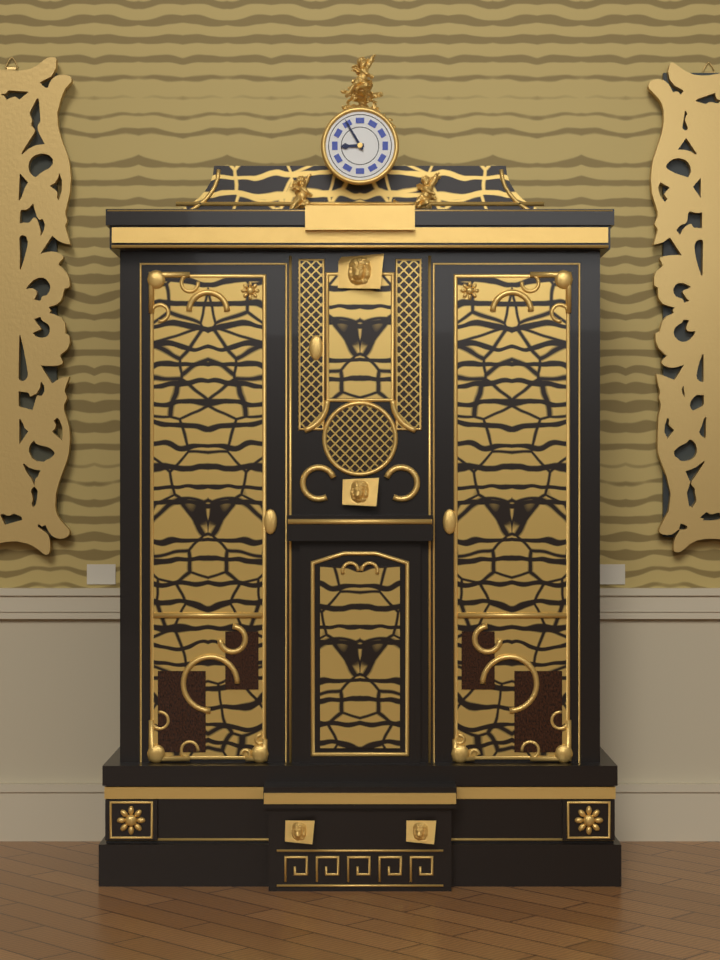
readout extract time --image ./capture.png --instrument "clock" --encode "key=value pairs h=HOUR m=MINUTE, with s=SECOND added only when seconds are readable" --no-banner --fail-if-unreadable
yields h=8 m=55
